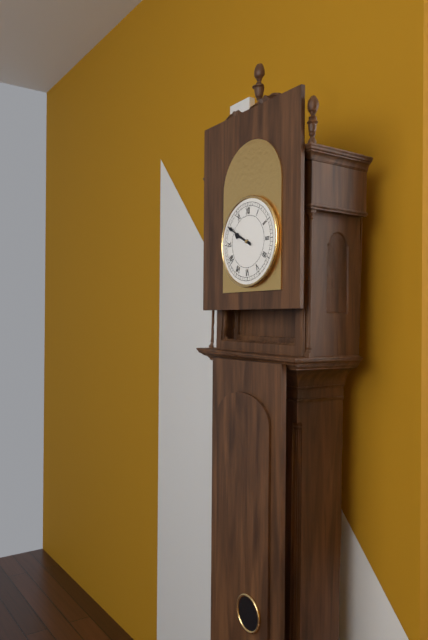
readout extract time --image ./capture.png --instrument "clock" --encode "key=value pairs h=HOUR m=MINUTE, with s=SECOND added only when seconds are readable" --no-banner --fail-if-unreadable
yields h=9 m=50
